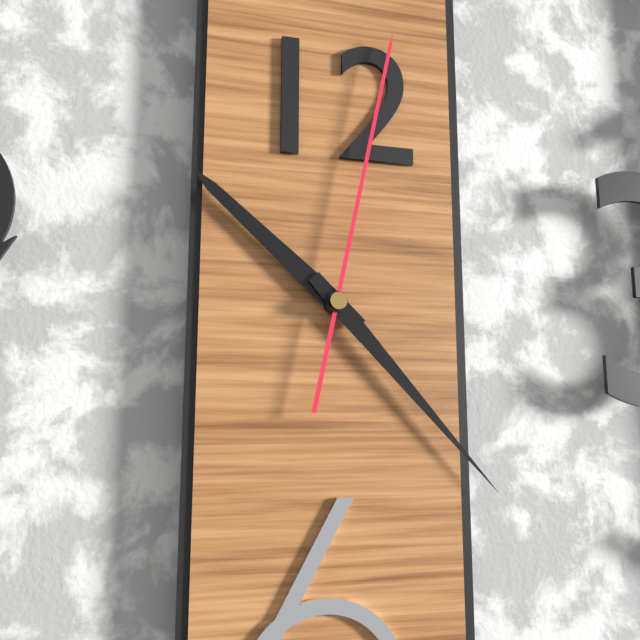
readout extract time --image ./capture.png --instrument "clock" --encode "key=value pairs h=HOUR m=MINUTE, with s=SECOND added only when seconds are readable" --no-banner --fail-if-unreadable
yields h=10 m=23 s=2
